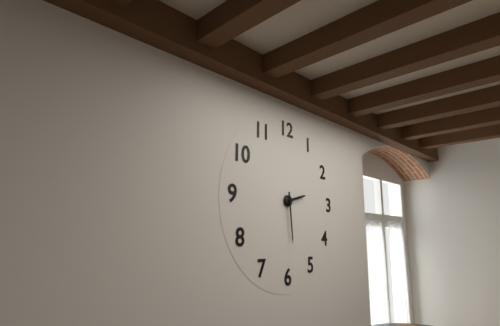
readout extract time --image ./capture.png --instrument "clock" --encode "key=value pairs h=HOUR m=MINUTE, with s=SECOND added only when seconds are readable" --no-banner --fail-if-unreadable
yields h=2 m=29
